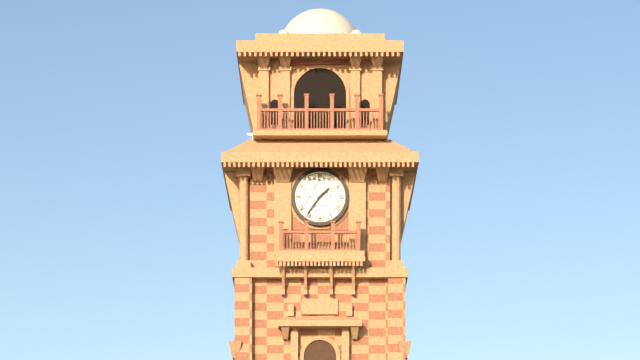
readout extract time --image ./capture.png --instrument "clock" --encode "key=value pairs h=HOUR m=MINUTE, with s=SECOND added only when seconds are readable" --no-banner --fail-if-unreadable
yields h=1 m=36
